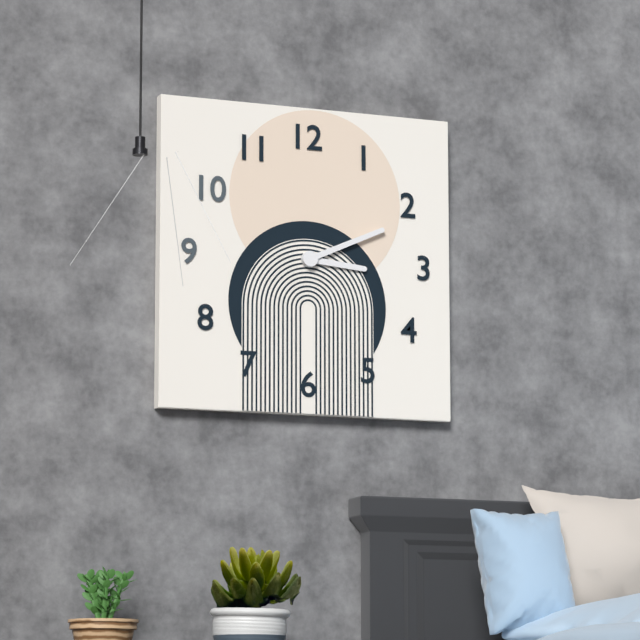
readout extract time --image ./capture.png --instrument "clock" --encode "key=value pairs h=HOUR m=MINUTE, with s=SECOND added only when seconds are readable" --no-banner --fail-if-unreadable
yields h=3 m=11
